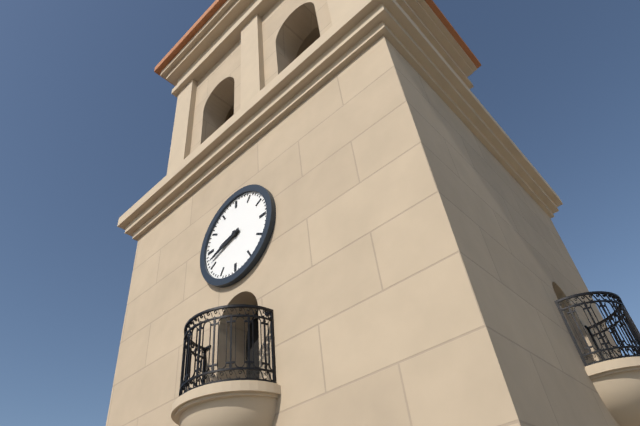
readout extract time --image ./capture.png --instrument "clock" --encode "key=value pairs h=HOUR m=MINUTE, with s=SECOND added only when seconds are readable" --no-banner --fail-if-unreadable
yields h=8 m=42
